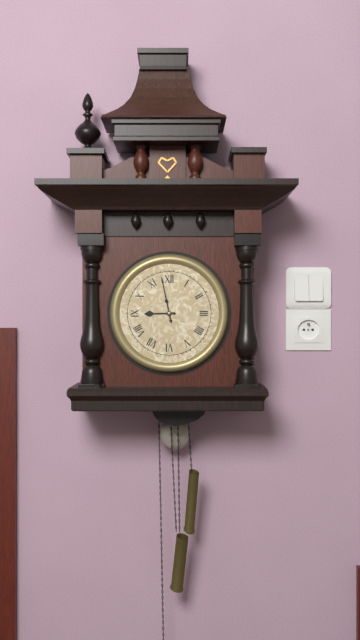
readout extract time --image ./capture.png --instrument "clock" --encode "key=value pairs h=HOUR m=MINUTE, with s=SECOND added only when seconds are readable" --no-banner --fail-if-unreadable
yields h=8 m=58
